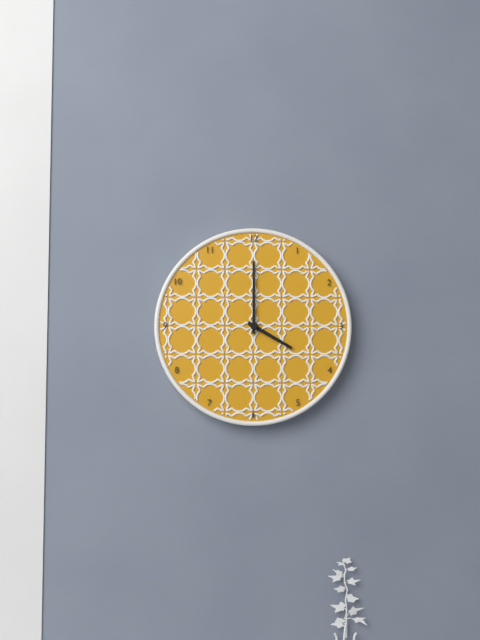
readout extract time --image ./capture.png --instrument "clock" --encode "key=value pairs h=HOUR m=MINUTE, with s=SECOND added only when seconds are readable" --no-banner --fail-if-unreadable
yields h=4 m=0
